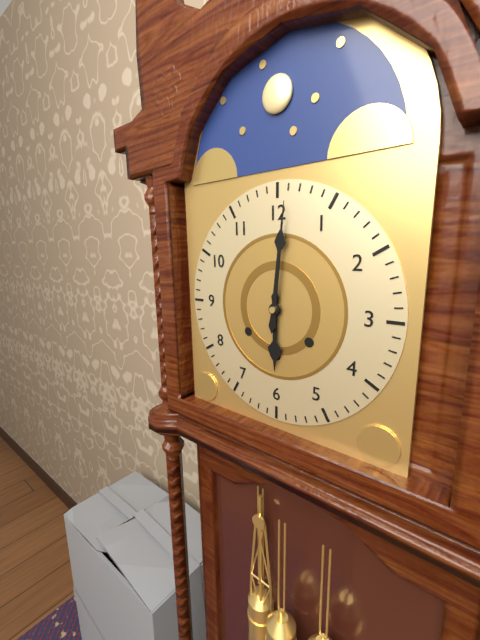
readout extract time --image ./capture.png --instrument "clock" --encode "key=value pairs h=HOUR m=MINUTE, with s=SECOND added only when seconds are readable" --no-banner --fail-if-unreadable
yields h=6 m=1
